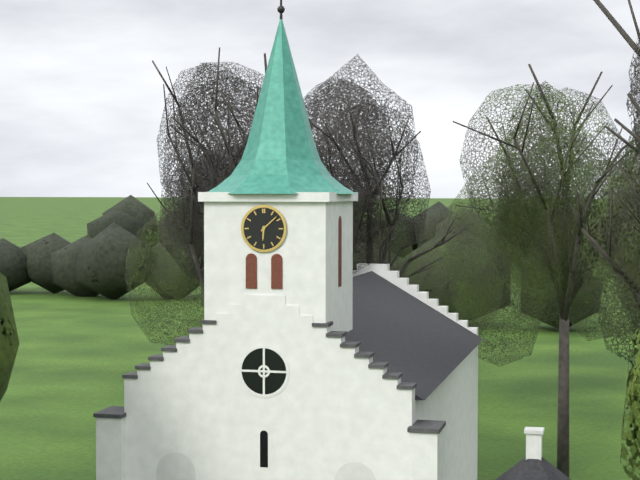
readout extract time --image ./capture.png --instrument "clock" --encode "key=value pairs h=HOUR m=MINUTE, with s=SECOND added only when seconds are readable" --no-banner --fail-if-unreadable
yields h=6 m=8
